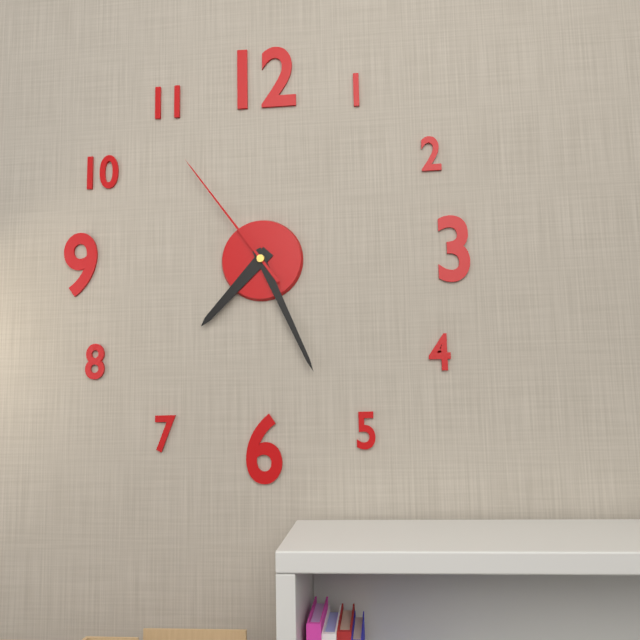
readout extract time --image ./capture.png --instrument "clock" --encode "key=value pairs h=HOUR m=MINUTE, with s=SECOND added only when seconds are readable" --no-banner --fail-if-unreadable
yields h=7 m=26 s=54
